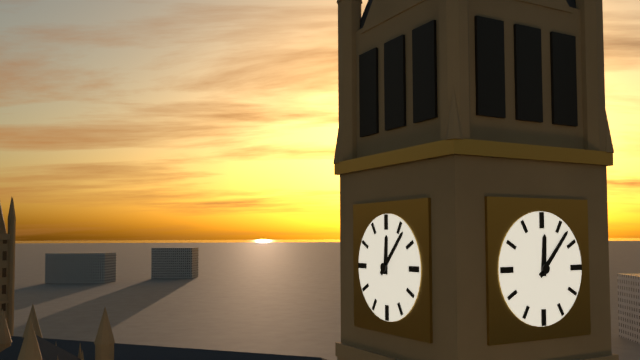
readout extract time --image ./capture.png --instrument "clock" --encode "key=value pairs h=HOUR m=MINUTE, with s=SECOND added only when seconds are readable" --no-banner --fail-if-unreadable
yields h=12 m=7
